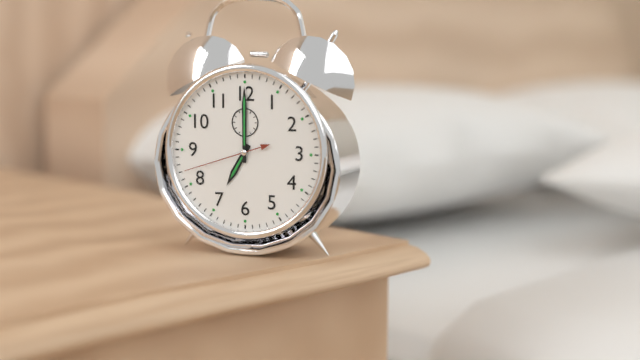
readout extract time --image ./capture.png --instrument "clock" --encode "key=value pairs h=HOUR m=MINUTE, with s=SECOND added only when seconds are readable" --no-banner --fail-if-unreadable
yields h=7 m=0 s=42
